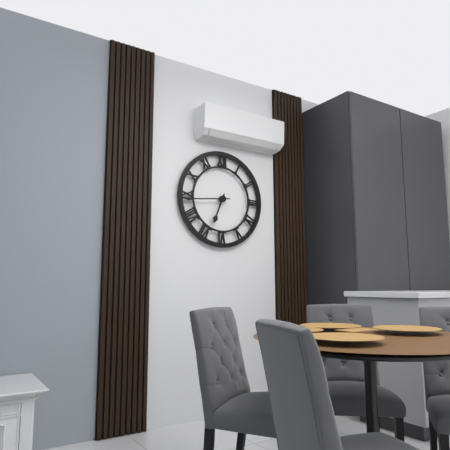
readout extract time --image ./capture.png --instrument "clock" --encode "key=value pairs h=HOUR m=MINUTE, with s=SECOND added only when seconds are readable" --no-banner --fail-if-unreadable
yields h=6 m=44
